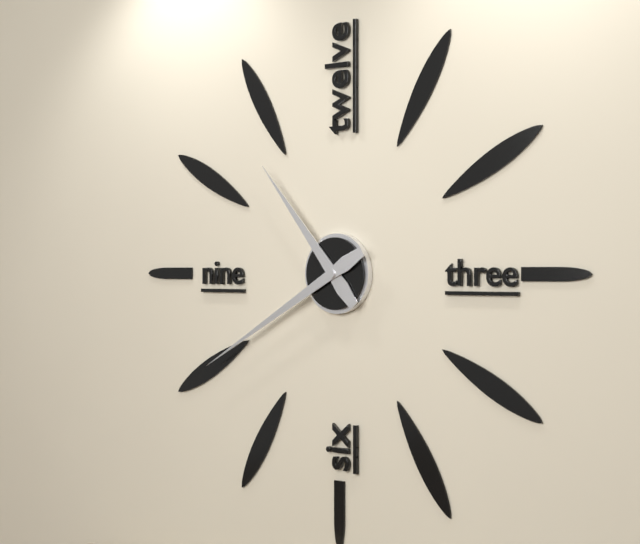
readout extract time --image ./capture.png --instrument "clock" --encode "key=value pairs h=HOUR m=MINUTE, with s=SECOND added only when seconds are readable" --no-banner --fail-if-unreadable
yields h=10 m=40
